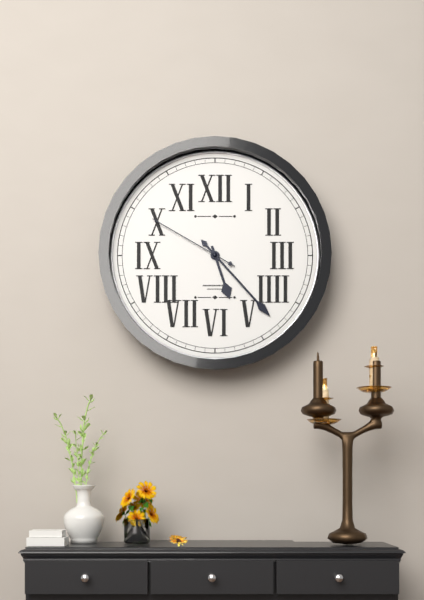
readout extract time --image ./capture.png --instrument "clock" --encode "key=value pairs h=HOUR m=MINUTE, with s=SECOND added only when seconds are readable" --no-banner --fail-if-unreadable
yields h=5 m=23 s=50
